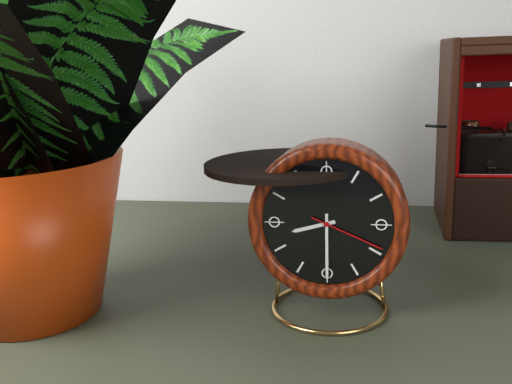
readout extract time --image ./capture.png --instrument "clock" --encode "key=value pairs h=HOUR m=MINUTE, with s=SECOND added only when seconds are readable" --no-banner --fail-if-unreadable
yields h=8 m=30 s=19
